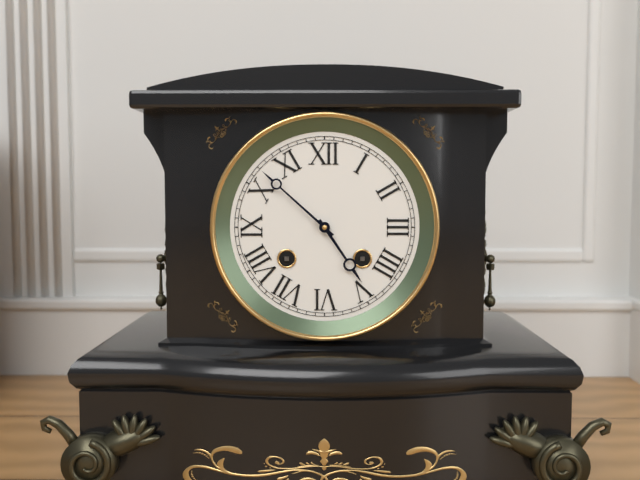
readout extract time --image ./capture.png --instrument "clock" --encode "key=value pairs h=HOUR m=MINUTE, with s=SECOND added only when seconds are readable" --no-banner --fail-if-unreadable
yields h=4 m=52
